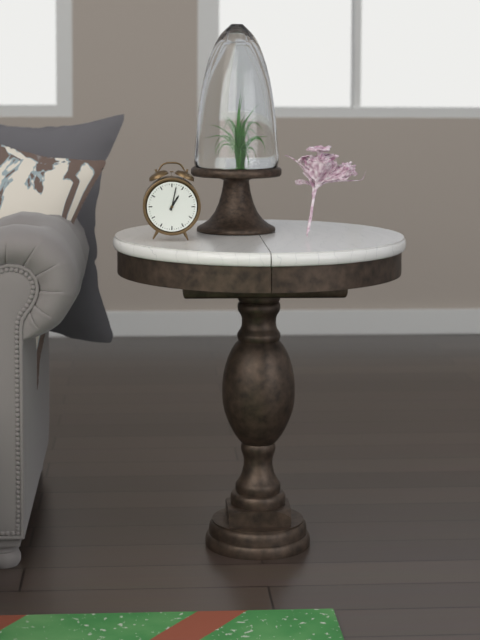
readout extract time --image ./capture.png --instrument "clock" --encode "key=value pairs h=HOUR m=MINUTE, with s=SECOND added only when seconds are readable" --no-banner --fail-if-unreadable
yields h=1 m=2
